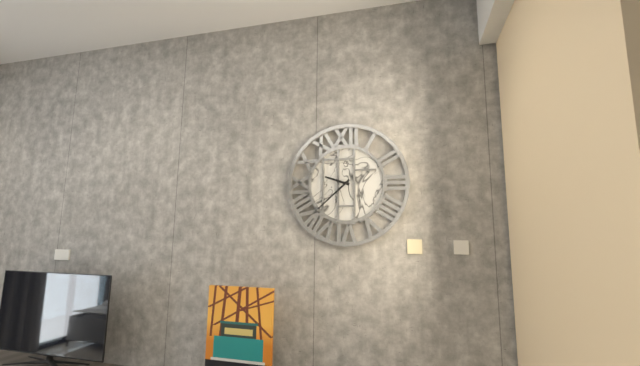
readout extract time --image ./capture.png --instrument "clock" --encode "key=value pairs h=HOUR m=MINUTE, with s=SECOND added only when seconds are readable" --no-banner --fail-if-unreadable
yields h=9 m=38
